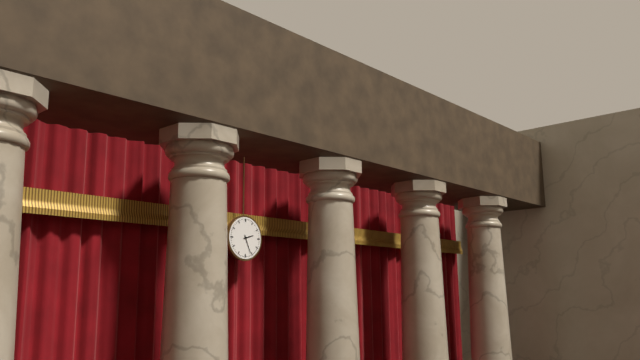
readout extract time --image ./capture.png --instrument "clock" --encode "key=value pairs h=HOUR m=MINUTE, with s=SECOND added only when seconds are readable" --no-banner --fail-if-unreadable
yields h=2 m=26
